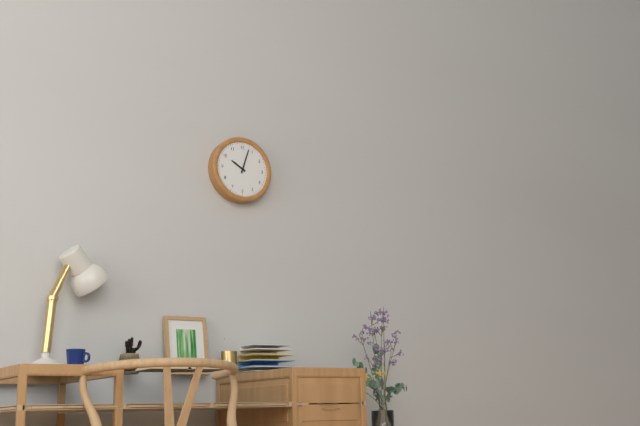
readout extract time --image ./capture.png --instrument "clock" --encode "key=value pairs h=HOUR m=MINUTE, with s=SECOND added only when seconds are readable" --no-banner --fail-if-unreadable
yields h=10 m=3
